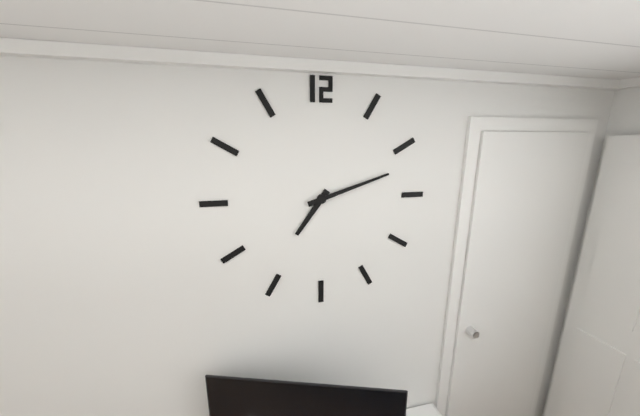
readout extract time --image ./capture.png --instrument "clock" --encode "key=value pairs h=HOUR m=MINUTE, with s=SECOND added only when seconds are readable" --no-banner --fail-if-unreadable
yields h=7 m=12
